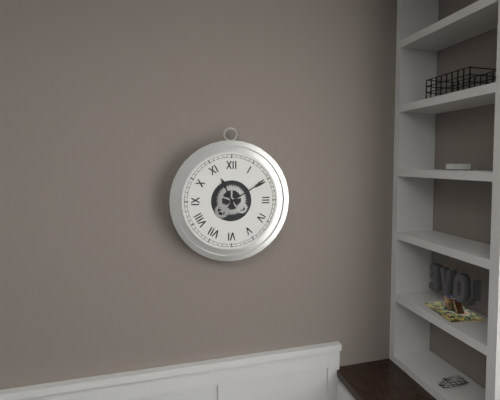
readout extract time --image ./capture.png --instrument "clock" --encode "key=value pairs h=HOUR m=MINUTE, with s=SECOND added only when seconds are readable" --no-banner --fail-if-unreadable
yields h=11 m=10
